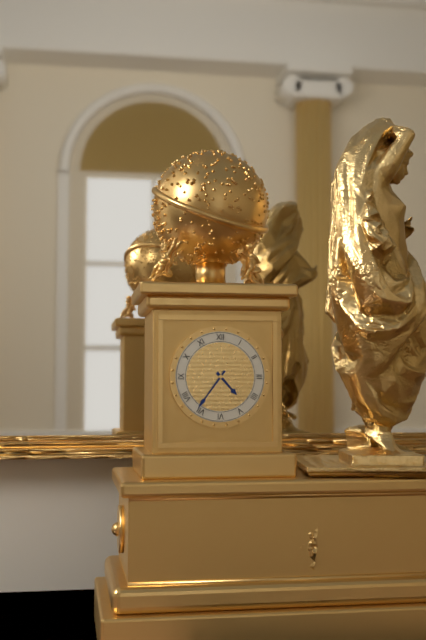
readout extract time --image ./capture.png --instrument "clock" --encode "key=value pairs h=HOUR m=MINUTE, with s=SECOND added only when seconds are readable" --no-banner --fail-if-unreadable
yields h=4 m=36
